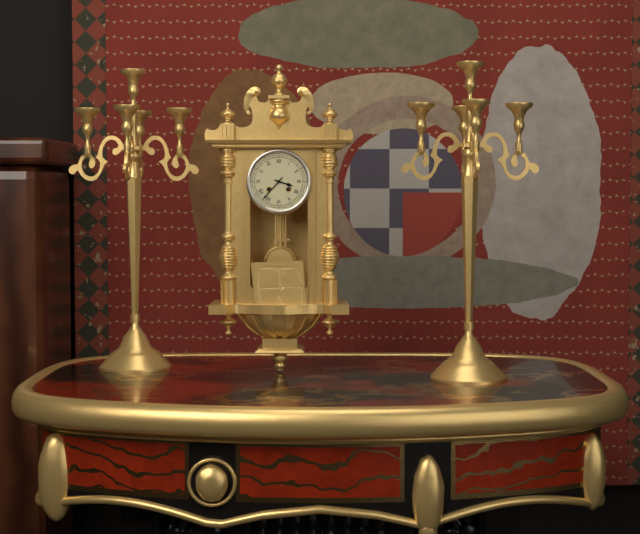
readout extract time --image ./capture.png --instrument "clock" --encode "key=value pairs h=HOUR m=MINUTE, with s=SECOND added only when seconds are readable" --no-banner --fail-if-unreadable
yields h=3 m=37
